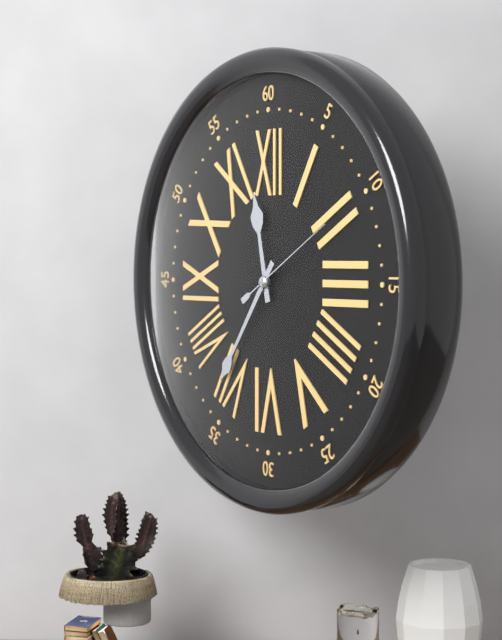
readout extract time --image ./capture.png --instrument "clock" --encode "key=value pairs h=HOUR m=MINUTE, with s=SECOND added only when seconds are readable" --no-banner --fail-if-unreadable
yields h=11 m=36 s=10
